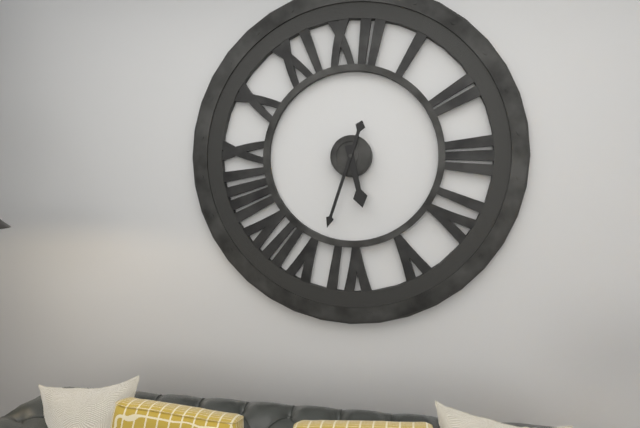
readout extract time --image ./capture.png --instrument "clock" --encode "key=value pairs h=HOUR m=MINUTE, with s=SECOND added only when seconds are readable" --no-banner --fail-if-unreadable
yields h=5 m=33
